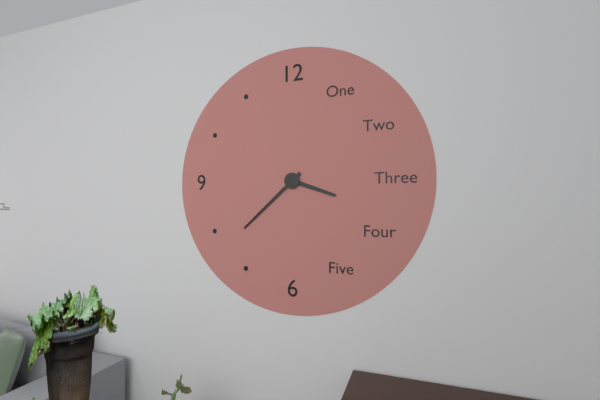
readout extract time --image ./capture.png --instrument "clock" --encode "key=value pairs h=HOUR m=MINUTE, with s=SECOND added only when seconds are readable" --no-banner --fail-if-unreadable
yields h=3 m=38
